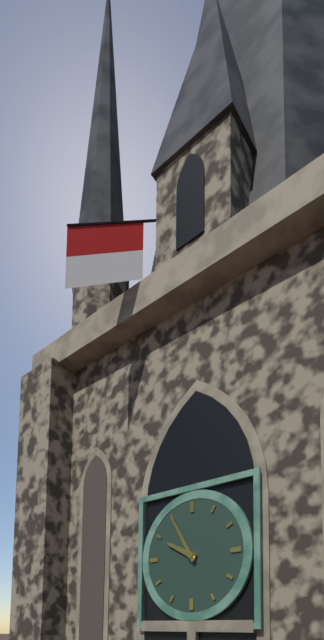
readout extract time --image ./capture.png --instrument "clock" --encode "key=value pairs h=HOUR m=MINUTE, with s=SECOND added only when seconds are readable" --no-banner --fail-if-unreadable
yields h=9 m=55
